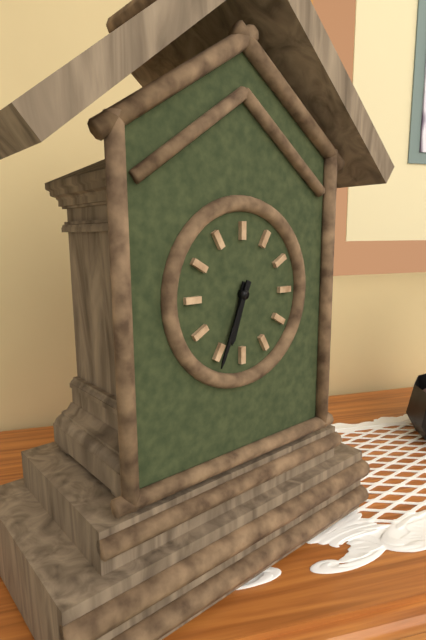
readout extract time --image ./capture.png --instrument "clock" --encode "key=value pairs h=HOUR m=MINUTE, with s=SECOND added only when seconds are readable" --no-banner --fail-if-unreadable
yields h=6 m=34
